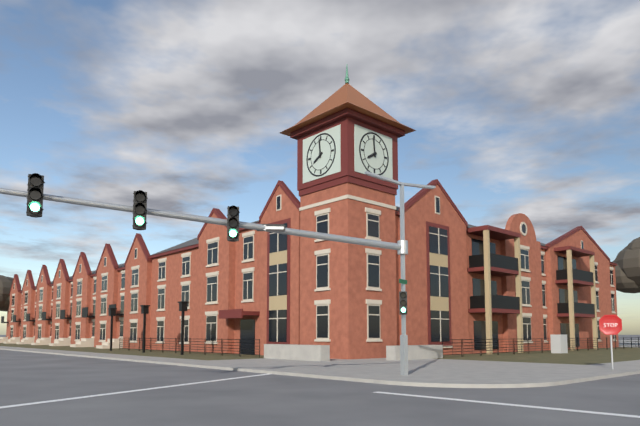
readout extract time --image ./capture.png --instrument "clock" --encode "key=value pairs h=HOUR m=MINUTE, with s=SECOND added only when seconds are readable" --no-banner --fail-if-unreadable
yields h=7 m=59
